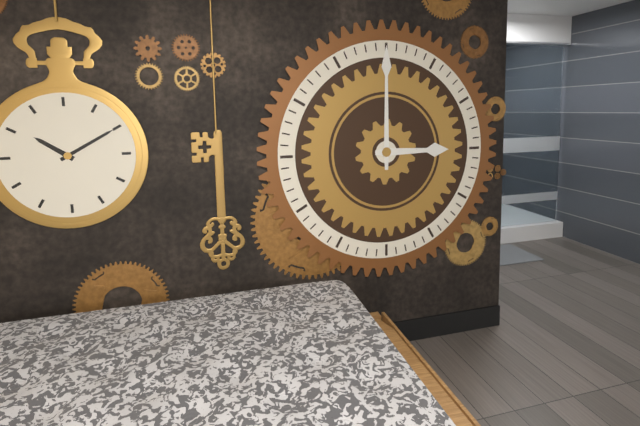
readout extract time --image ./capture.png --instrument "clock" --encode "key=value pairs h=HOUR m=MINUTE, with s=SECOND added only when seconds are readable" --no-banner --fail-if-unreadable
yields h=3 m=0
